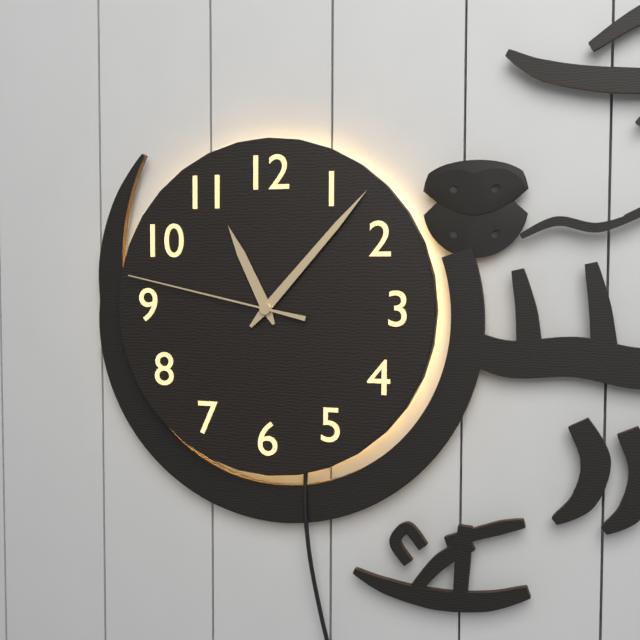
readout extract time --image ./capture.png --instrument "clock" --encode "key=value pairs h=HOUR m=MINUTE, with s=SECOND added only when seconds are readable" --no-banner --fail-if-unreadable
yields h=11 m=7 s=47
